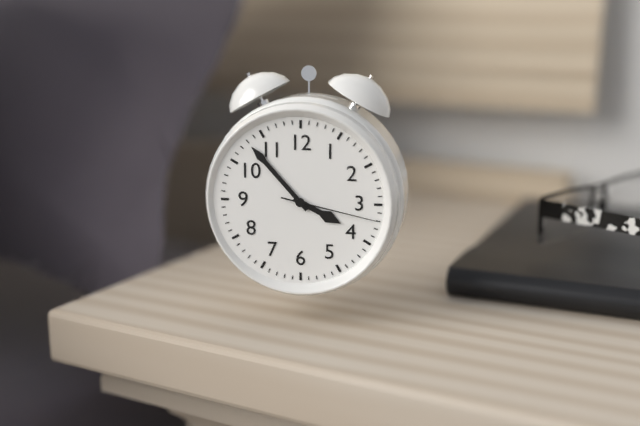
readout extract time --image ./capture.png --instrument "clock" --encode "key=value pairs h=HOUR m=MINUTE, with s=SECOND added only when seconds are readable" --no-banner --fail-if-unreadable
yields h=3 m=53 s=17
